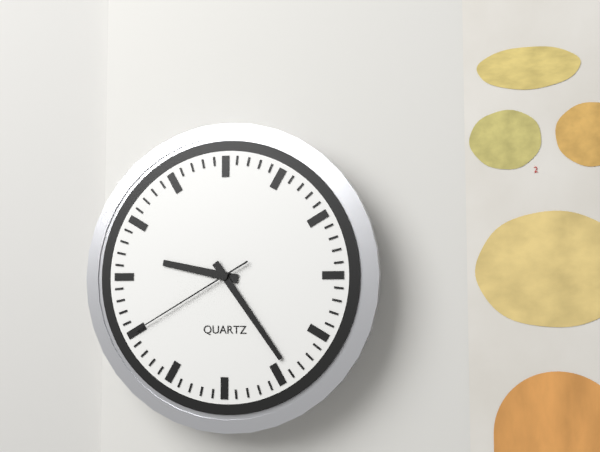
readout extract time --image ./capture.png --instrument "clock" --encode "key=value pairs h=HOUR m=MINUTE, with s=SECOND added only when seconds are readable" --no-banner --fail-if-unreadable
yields h=9 m=24 s=40
